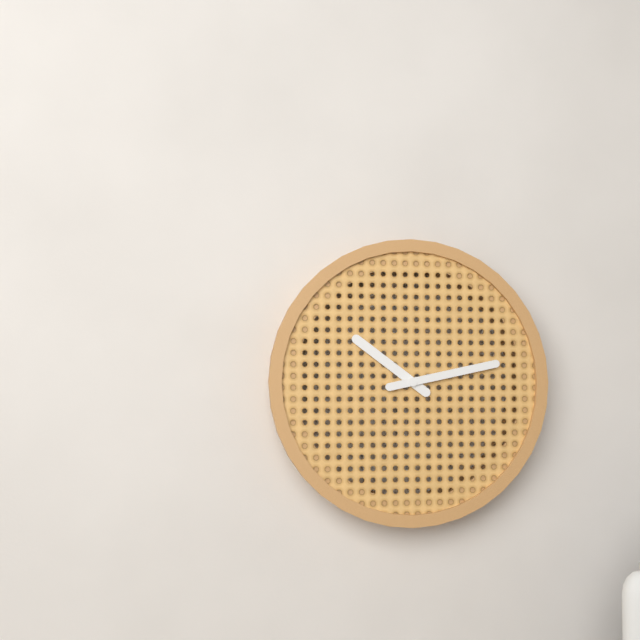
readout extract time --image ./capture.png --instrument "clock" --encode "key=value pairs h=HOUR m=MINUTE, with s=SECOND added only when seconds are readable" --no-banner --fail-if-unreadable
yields h=10 m=13
